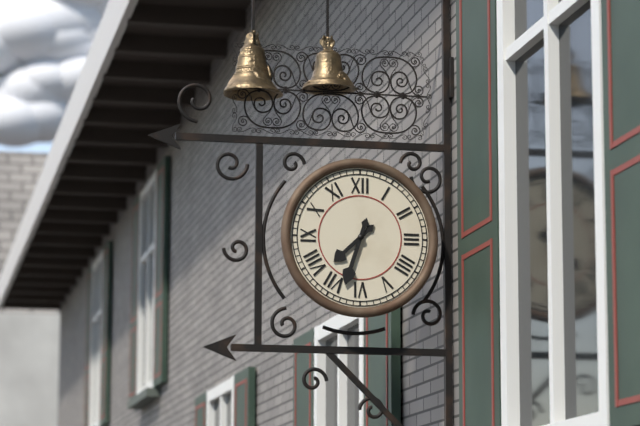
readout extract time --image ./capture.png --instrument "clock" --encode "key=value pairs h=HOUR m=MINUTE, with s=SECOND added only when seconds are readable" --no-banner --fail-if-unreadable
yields h=7 m=33
